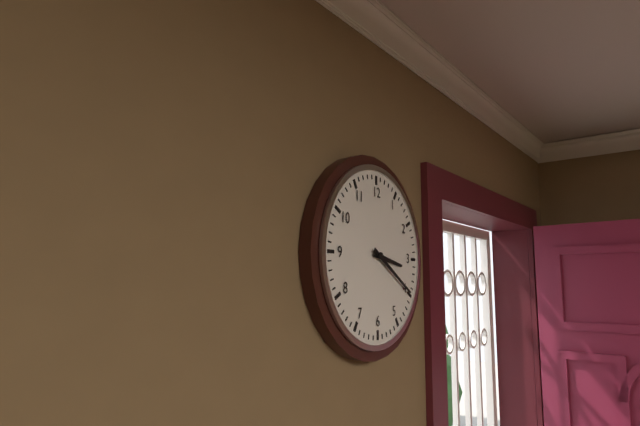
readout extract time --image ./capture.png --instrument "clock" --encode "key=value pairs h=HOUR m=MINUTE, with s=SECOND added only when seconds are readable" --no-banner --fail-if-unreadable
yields h=3 m=20
